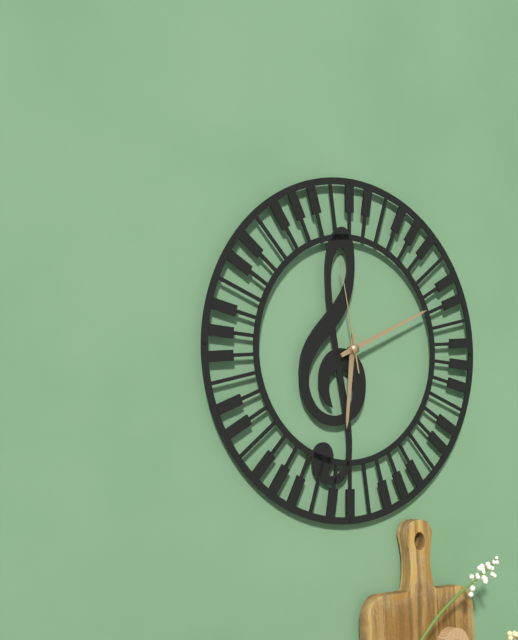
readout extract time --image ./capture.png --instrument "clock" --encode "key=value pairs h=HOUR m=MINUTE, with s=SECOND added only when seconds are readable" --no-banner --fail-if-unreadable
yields h=6 m=11 s=58
